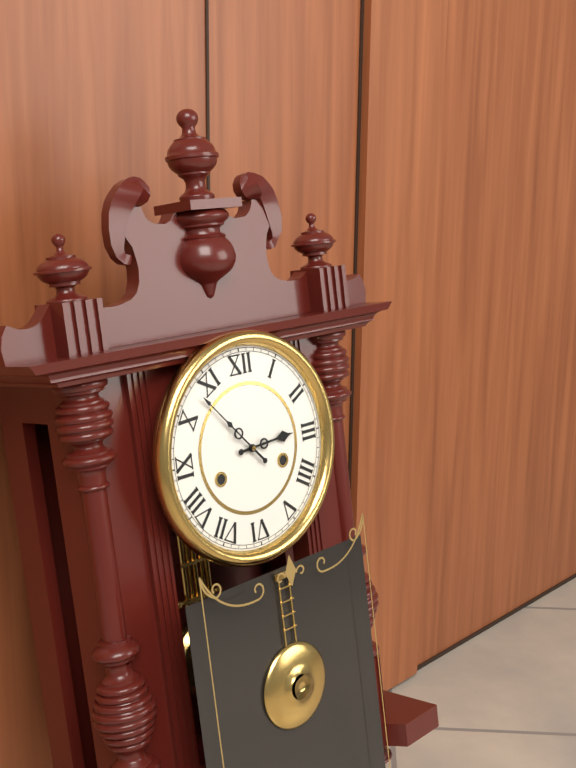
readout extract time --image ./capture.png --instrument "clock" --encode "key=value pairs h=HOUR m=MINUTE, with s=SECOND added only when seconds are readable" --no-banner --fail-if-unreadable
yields h=2 m=53
